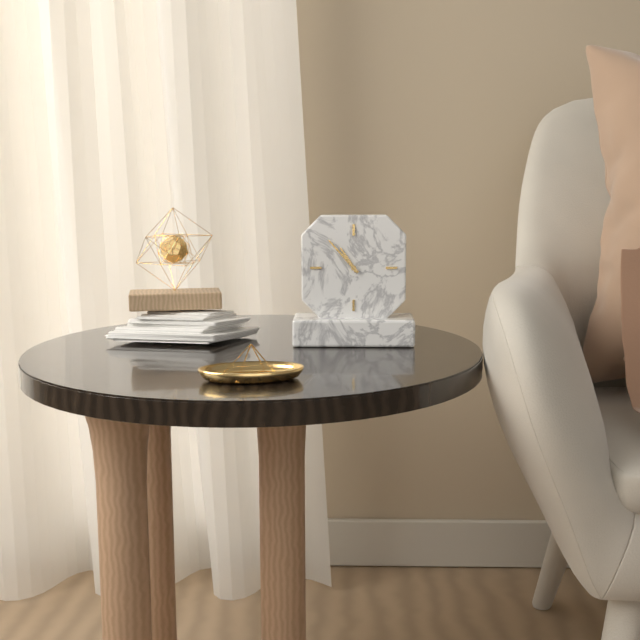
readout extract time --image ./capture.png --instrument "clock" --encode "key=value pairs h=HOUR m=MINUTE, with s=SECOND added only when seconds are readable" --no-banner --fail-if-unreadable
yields h=10 m=53
